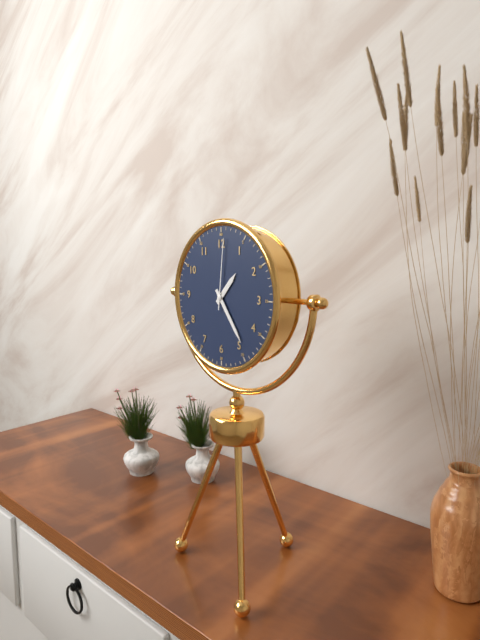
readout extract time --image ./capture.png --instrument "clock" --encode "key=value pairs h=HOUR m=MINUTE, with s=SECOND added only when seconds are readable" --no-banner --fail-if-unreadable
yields h=1 m=24 s=1
